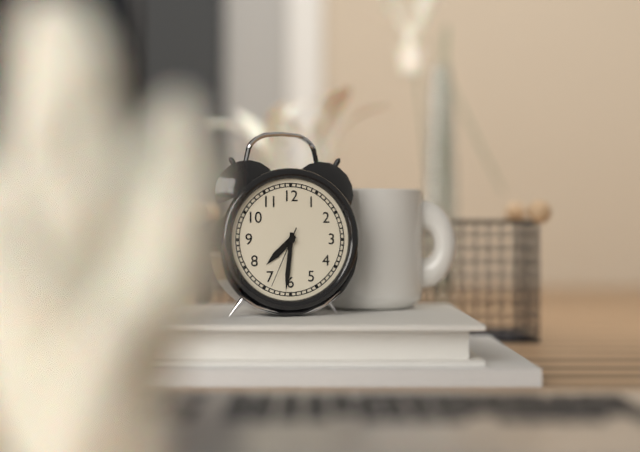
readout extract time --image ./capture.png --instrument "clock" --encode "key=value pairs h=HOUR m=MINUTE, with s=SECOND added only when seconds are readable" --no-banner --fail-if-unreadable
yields h=7 m=31 s=34
